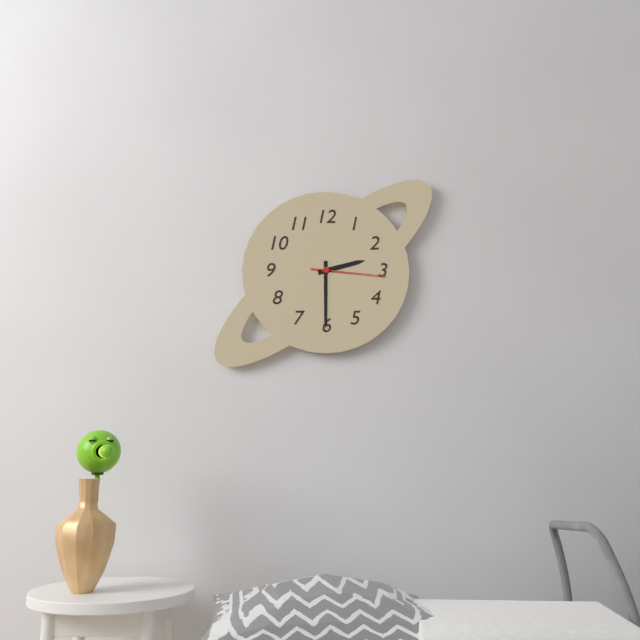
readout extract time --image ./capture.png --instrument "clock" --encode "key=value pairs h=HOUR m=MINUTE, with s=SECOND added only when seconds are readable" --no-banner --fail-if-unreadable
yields h=2 m=30 s=16
